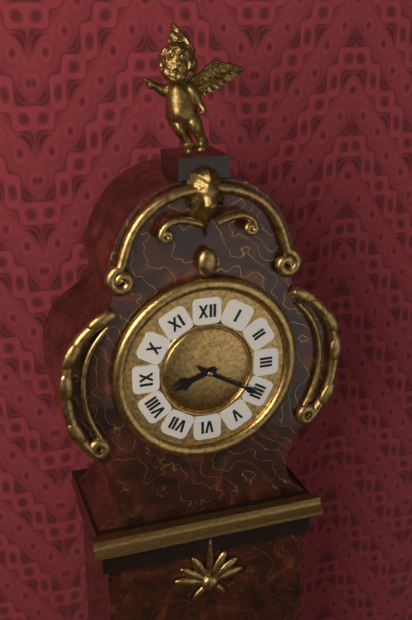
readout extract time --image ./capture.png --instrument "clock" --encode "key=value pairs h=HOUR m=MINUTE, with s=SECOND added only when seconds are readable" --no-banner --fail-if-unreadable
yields h=8 m=20
